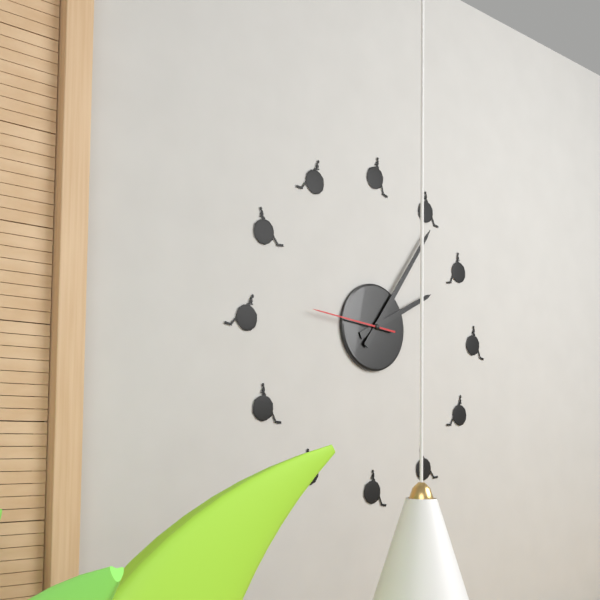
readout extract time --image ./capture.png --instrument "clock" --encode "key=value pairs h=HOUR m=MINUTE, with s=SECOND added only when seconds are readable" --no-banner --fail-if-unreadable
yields h=2 m=6 s=46
